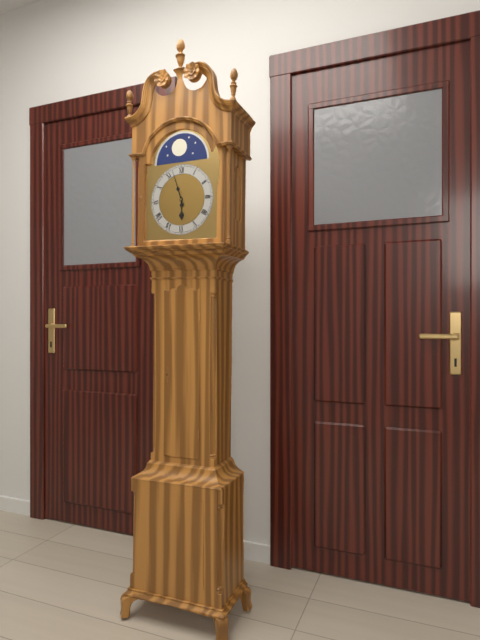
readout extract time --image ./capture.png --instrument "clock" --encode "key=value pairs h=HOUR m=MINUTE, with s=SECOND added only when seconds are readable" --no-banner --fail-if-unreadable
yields h=5 m=57
